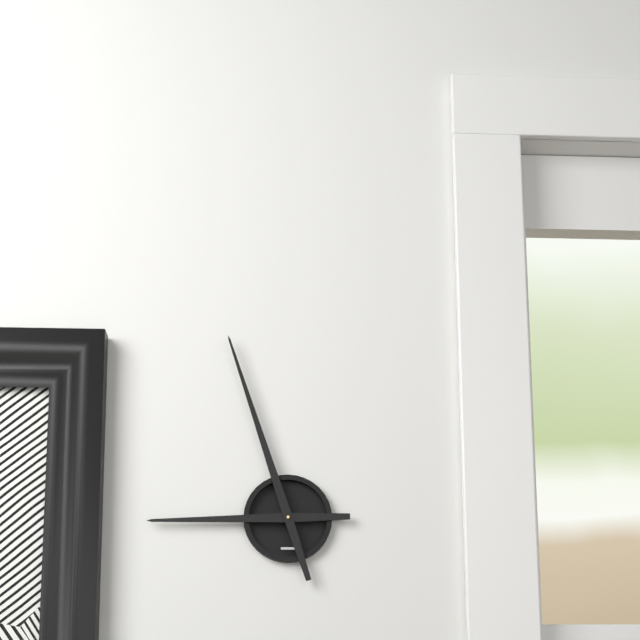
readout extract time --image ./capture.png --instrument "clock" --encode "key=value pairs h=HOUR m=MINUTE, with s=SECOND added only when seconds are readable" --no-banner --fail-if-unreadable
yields h=8 m=57
